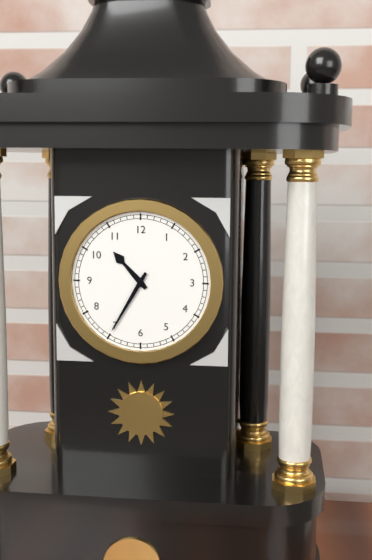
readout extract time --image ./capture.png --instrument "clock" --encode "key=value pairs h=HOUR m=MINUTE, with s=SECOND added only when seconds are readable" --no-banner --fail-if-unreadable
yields h=10 m=35
